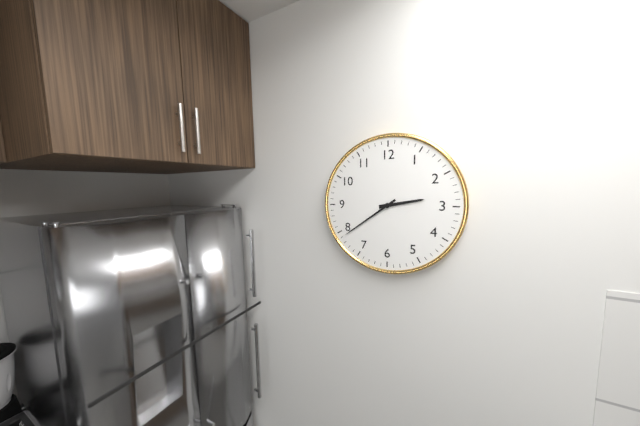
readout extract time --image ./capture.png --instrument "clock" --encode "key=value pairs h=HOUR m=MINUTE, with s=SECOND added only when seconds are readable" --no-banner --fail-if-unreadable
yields h=2 m=39
